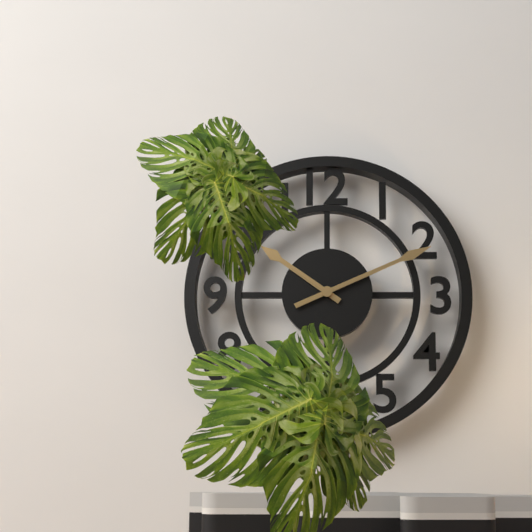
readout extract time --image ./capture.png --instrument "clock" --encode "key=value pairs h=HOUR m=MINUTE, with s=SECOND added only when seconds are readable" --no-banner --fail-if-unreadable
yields h=10 m=11
